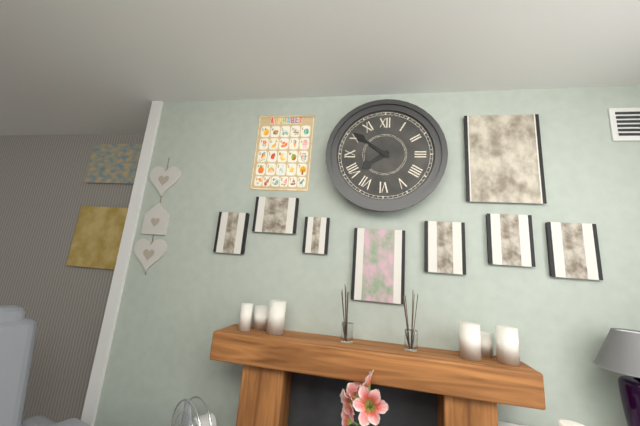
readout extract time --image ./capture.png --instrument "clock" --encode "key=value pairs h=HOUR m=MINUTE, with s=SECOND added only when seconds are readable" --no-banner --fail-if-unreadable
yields h=7 m=51
